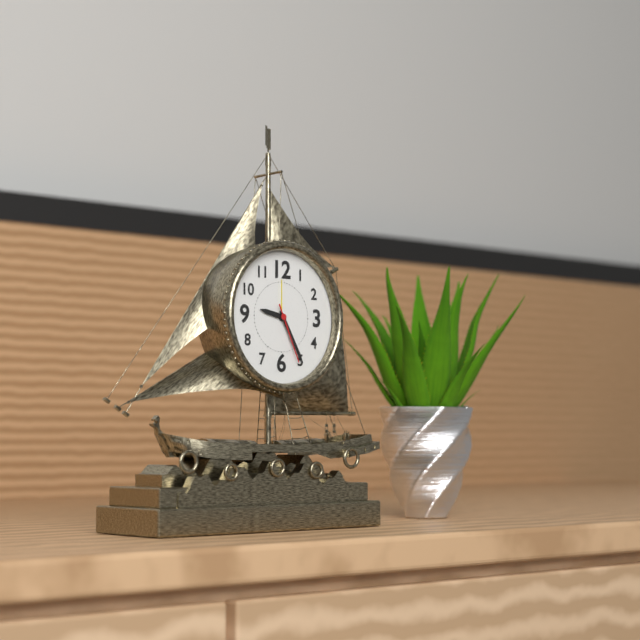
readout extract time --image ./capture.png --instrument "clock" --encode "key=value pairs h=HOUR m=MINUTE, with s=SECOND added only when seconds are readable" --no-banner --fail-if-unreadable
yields h=9 m=25 s=26
